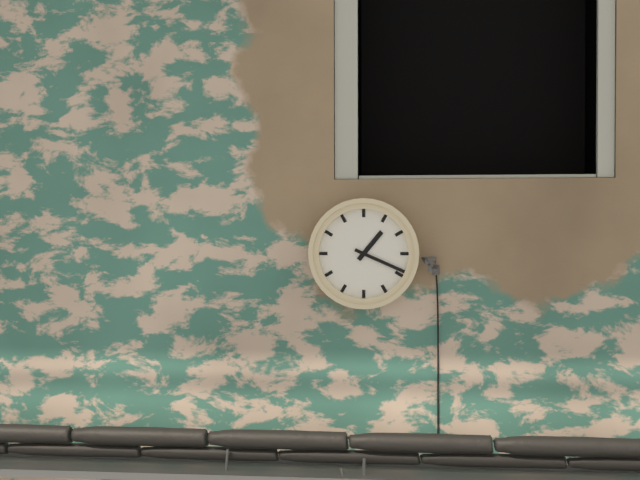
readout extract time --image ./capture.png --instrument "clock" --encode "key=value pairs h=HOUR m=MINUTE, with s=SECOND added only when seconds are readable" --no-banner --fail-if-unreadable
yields h=1 m=19
